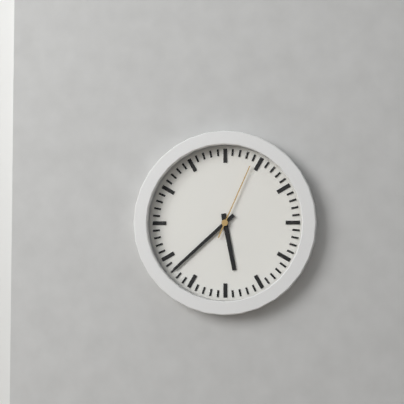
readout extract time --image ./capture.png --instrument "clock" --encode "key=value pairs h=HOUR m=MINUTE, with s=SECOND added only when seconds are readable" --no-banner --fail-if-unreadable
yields h=5 m=38 s=4
